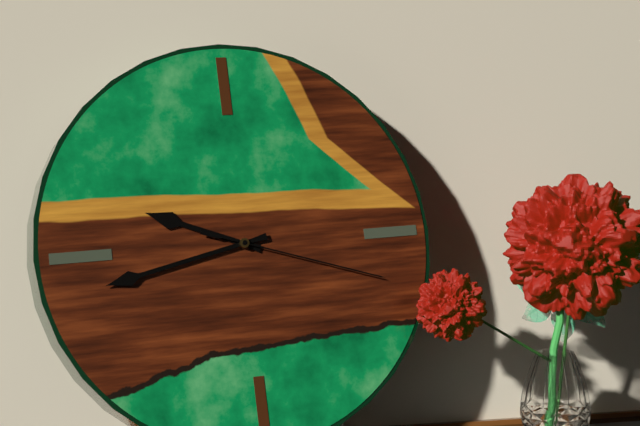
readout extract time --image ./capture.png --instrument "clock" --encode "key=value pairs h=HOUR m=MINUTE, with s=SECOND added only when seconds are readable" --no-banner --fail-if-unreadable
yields h=9 m=43 s=18
